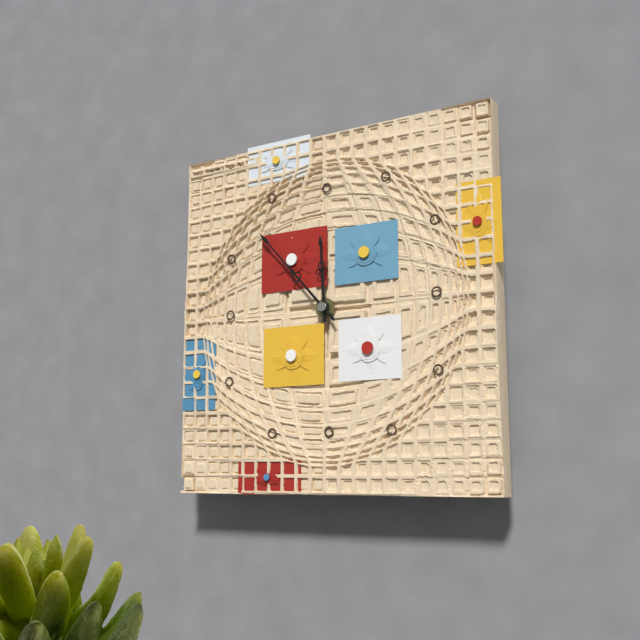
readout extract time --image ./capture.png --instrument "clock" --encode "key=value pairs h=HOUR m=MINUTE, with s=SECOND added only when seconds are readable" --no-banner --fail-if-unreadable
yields h=11 m=53
